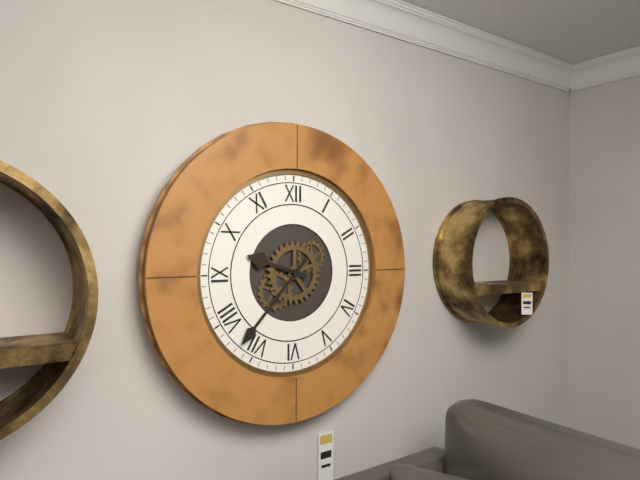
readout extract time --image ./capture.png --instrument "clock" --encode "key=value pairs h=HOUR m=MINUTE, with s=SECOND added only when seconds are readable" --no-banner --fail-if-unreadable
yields h=9 m=37
